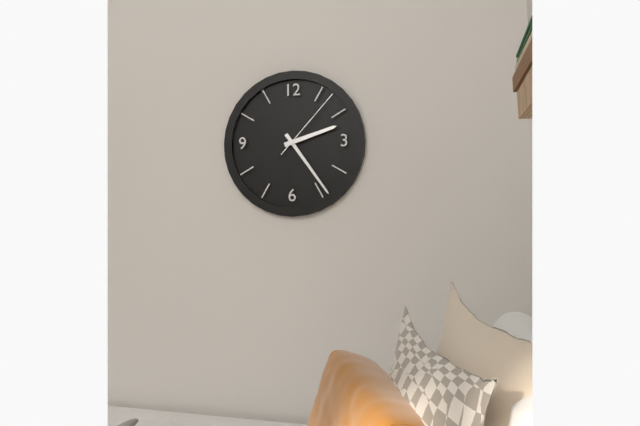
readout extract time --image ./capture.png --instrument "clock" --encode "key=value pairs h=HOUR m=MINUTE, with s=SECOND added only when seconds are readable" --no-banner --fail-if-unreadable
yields h=2 m=24 s=7
